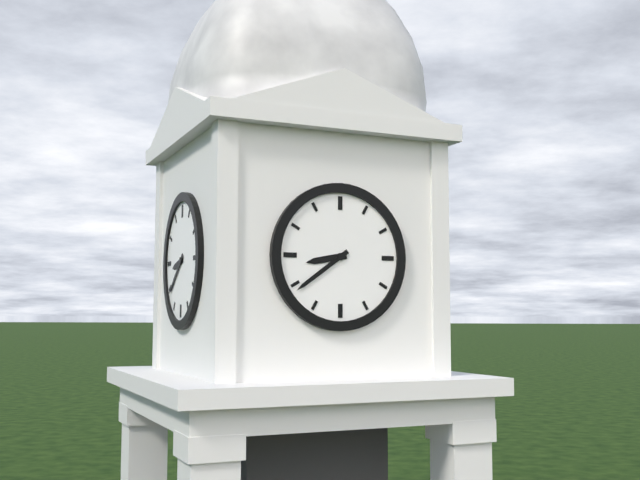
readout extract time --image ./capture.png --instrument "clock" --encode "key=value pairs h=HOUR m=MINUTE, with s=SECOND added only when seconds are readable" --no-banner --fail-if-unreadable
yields h=8 m=39
